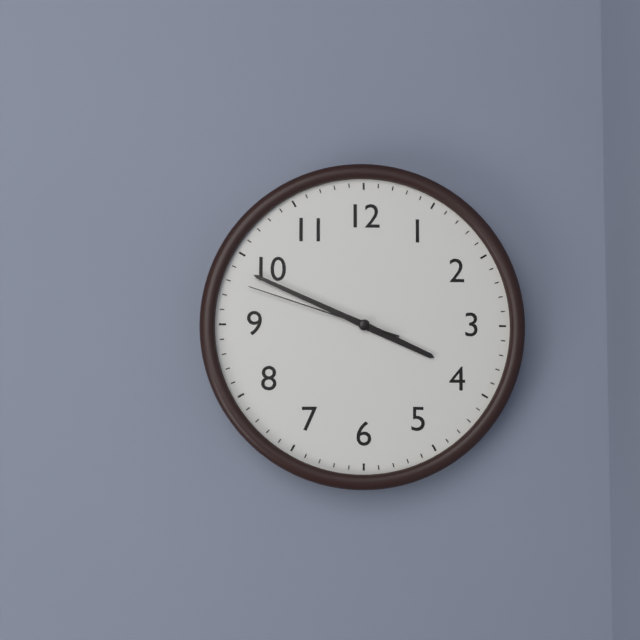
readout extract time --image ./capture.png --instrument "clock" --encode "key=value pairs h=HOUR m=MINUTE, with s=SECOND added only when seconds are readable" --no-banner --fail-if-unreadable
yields h=3 m=49 s=48
